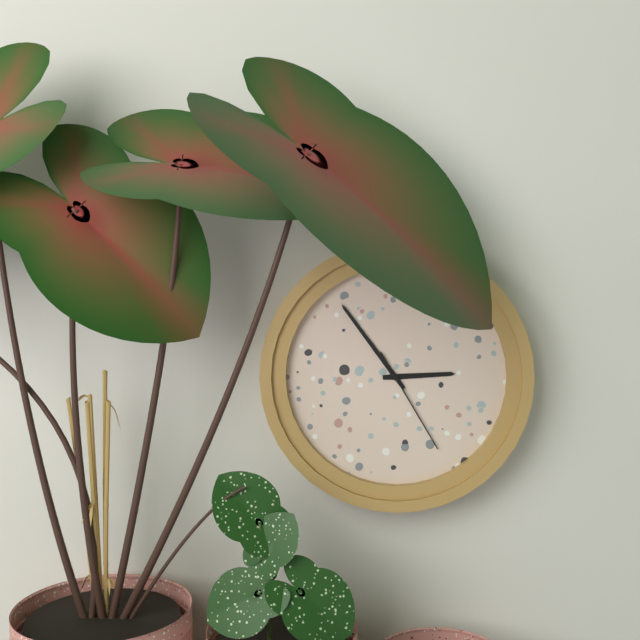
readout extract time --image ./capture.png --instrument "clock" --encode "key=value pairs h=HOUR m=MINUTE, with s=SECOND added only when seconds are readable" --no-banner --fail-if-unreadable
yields h=2 m=54 s=25
